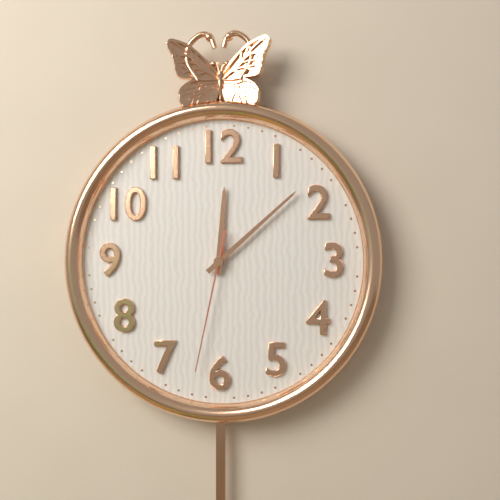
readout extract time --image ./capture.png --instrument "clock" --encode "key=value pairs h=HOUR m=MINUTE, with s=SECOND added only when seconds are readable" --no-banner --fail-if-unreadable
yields h=12 m=8 s=32
